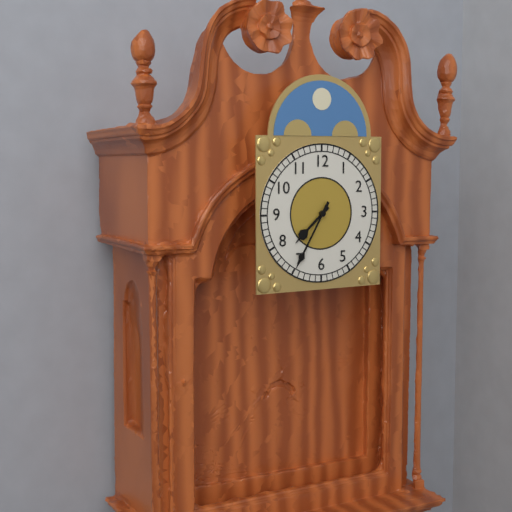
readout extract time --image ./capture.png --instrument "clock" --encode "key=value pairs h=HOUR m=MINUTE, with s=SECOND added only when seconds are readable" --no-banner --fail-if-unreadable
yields h=7 m=35
